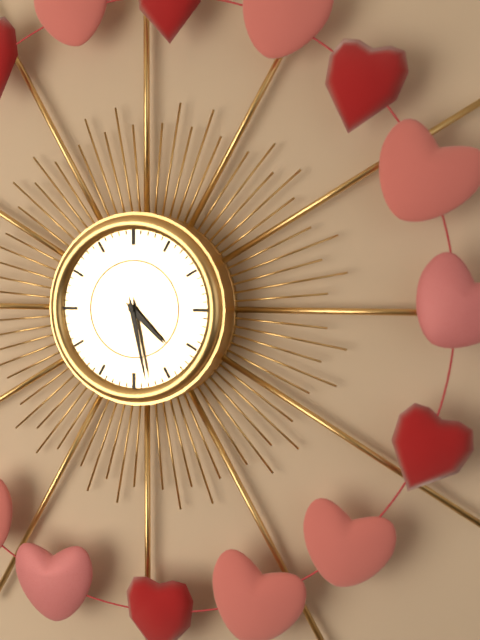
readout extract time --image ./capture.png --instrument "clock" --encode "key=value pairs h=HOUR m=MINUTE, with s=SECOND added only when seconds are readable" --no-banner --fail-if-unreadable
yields h=4 m=28
